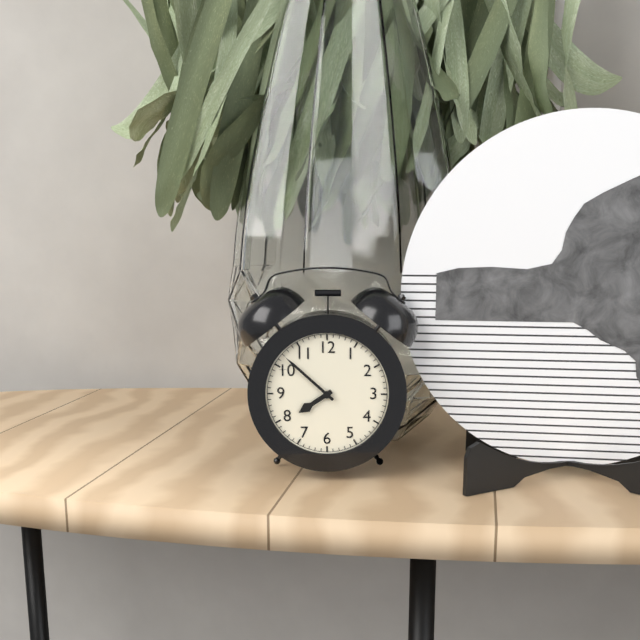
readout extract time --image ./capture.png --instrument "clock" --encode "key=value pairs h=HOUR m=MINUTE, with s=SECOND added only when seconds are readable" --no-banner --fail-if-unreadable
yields h=7 m=52
